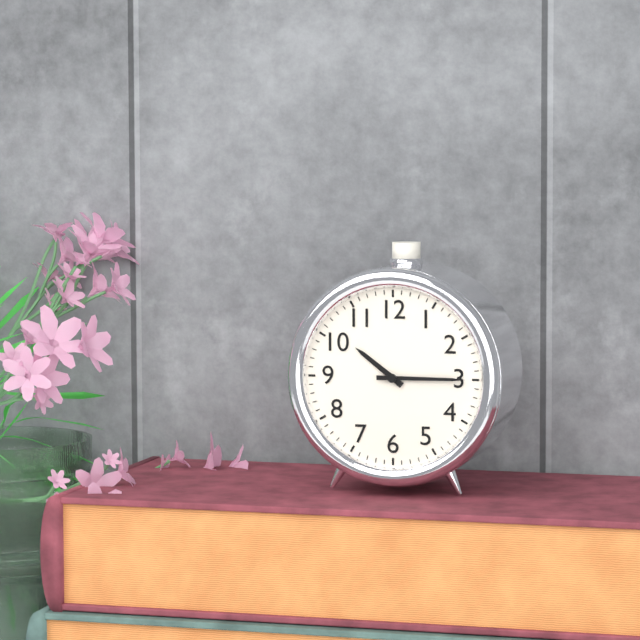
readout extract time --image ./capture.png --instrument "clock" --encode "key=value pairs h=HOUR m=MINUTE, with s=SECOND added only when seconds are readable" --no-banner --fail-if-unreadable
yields h=10 m=15
